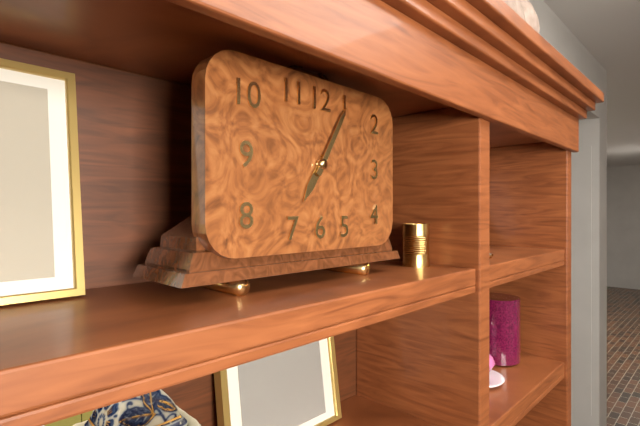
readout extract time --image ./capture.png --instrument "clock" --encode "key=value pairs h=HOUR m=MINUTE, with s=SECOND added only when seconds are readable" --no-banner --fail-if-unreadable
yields h=7 m=5
